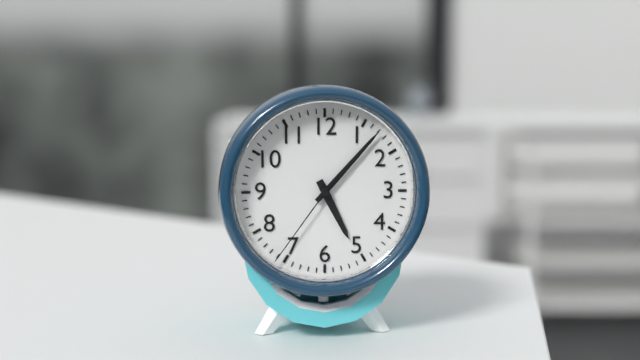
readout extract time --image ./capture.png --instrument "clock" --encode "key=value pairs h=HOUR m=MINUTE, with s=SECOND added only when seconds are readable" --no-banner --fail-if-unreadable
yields h=5 m=7 s=36
